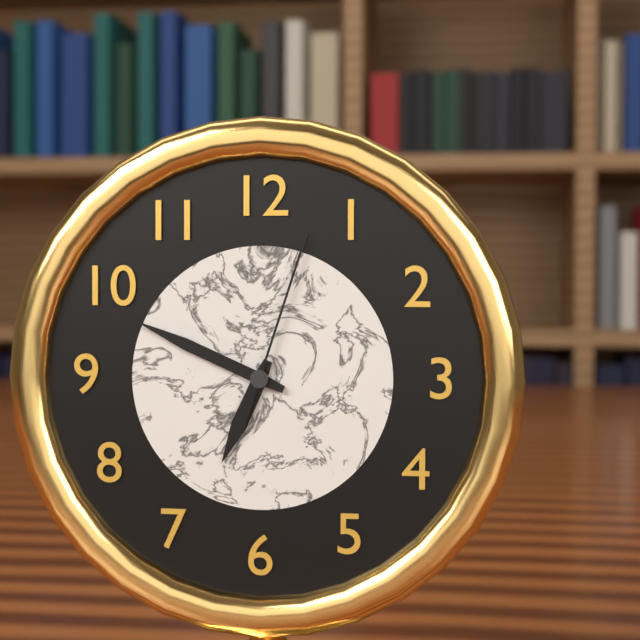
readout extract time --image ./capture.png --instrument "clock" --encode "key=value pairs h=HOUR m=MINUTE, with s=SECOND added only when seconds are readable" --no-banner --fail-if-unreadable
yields h=6 m=49 s=3
